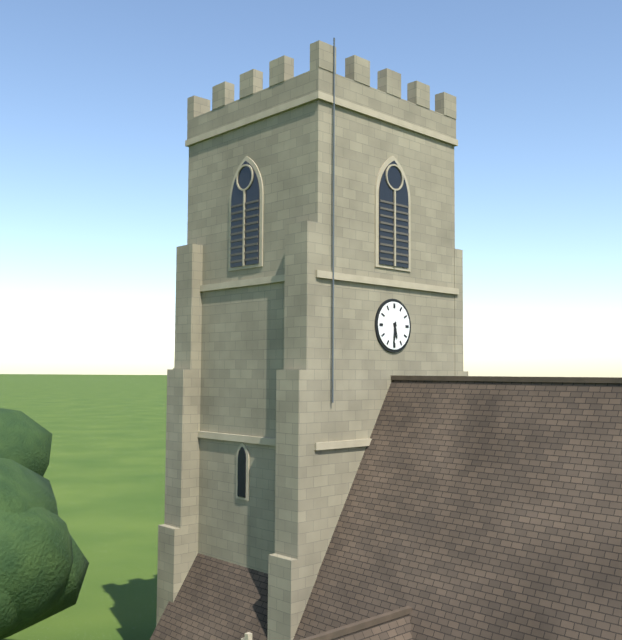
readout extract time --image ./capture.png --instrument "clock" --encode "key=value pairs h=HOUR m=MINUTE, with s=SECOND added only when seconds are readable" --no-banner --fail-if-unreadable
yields h=5 m=31
